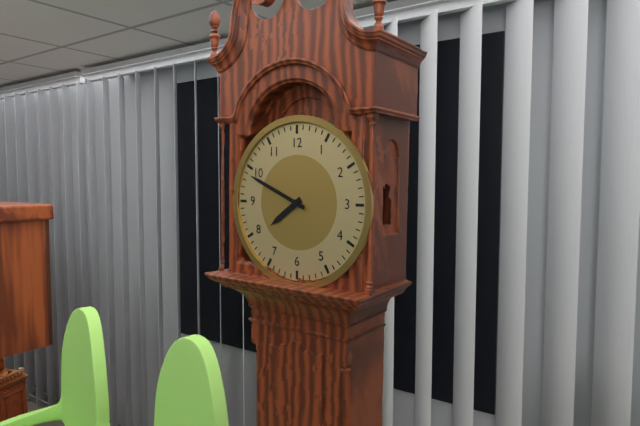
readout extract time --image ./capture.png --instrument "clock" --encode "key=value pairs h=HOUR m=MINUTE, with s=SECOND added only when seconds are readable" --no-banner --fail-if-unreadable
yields h=7 m=49
